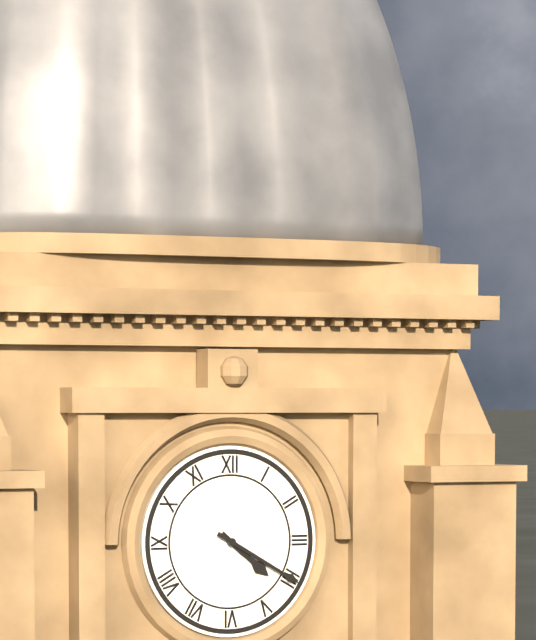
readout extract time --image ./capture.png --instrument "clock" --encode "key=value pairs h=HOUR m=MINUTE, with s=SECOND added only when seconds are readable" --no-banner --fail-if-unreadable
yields h=4 m=20
